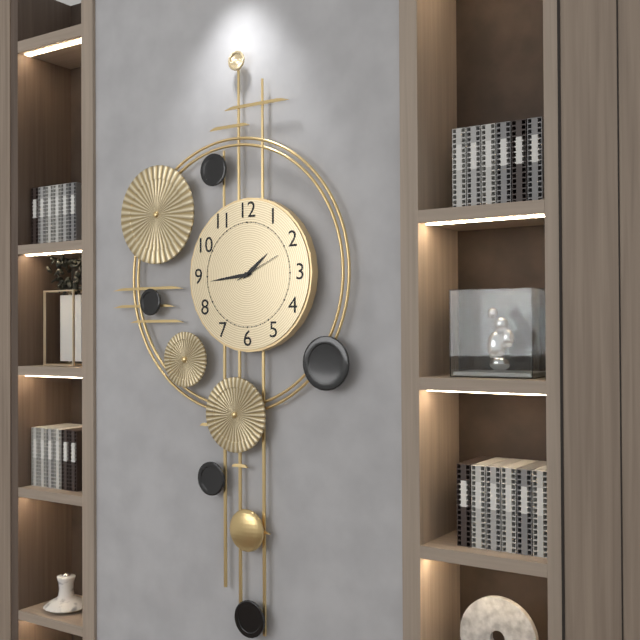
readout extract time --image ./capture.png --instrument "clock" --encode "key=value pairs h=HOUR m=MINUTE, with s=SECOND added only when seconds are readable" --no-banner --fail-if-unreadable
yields h=1 m=44
